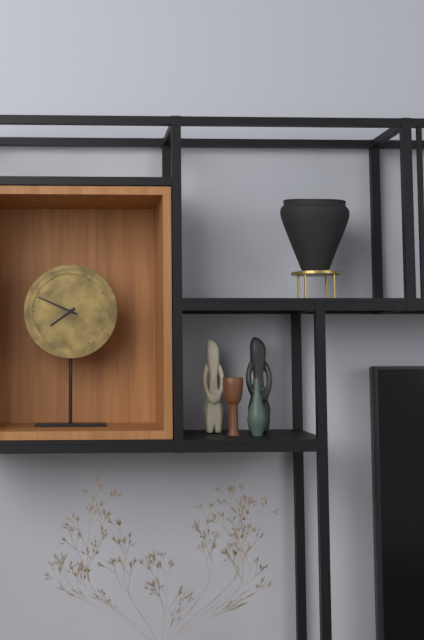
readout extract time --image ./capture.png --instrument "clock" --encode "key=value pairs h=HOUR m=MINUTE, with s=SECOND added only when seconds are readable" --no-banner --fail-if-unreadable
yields h=7 m=49
